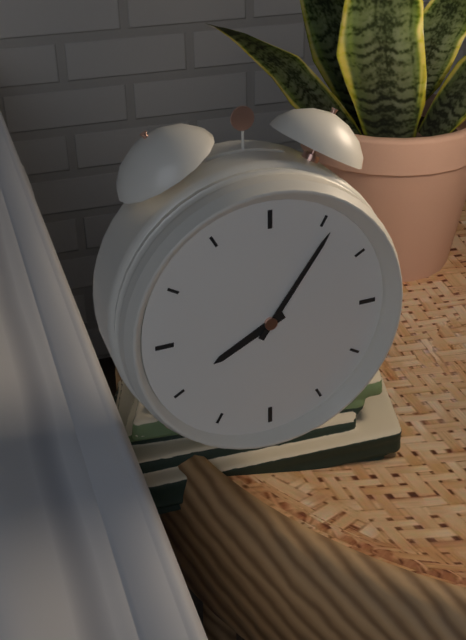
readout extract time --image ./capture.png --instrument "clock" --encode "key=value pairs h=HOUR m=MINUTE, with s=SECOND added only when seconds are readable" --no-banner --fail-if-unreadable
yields h=8 m=6
